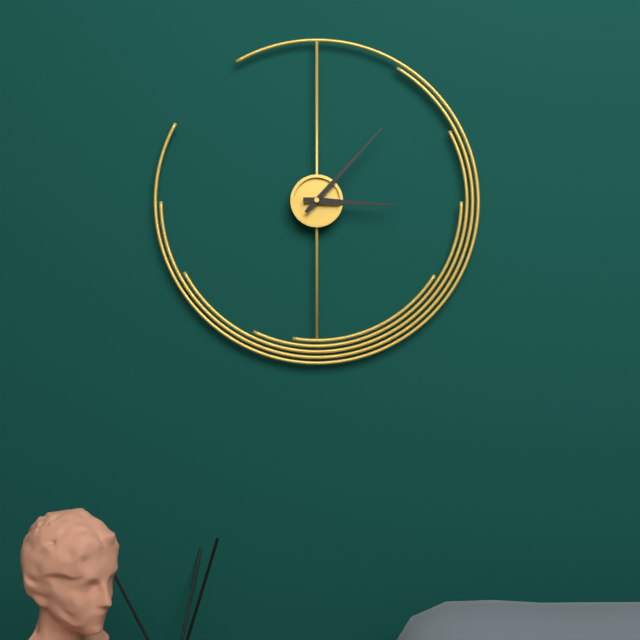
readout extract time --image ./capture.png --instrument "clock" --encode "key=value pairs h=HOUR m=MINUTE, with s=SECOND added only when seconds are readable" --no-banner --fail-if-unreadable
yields h=3 m=7
